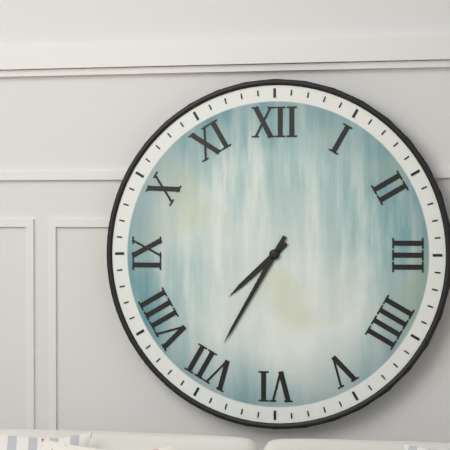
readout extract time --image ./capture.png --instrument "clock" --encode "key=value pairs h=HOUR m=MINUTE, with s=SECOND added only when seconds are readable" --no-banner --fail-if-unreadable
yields h=7 m=35
